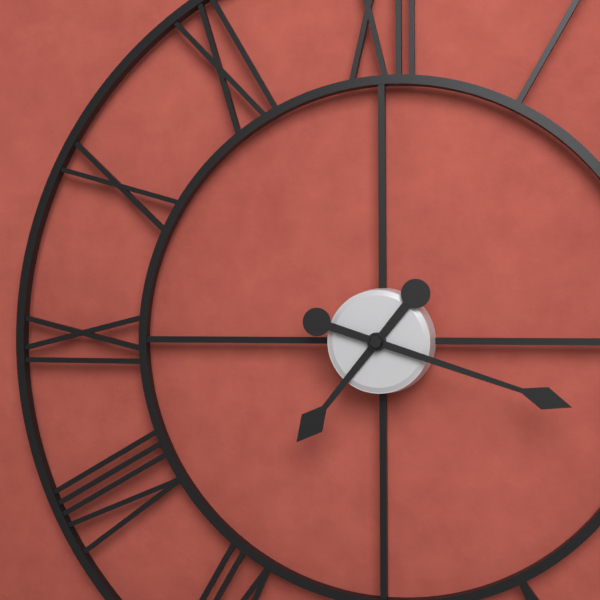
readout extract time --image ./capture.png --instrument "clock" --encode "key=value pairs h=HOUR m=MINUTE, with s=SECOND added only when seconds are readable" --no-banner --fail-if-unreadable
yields h=7 m=18
